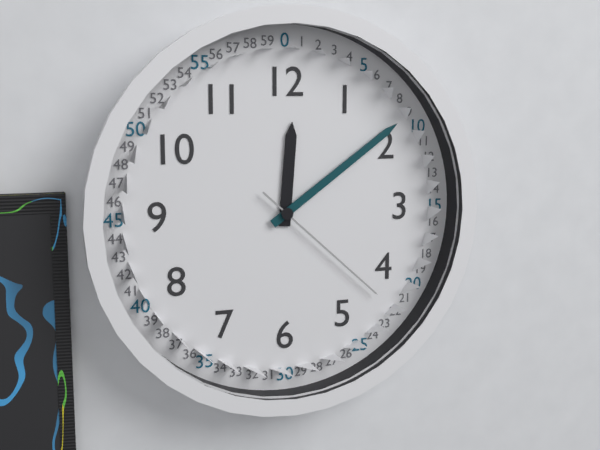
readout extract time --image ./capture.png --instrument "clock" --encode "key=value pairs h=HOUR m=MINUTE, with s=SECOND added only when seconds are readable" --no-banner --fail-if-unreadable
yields h=12 m=9 s=22
